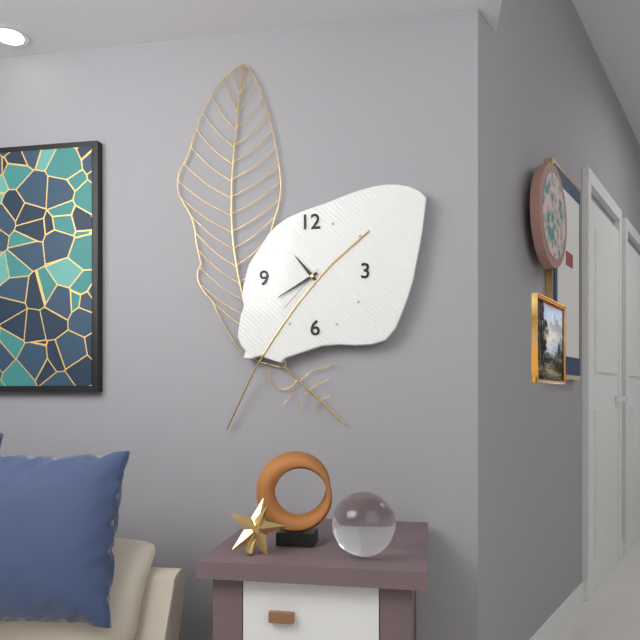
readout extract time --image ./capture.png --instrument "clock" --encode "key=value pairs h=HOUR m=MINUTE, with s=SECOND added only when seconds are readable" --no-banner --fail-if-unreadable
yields h=10 m=40 s=37
